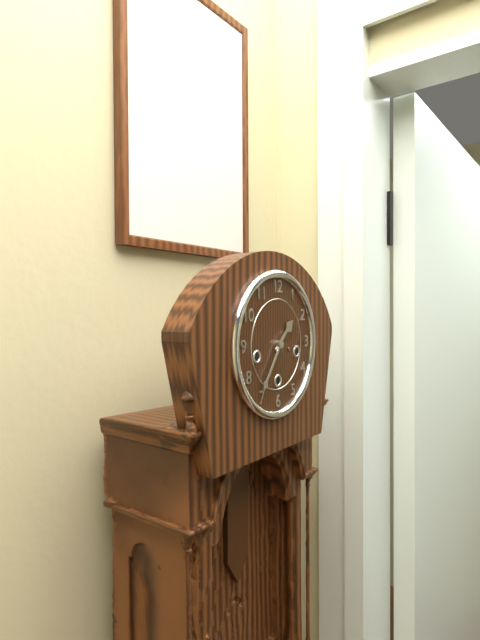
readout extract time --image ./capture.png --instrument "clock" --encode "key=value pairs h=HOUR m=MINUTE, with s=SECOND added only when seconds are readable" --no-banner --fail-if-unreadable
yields h=1 m=36
